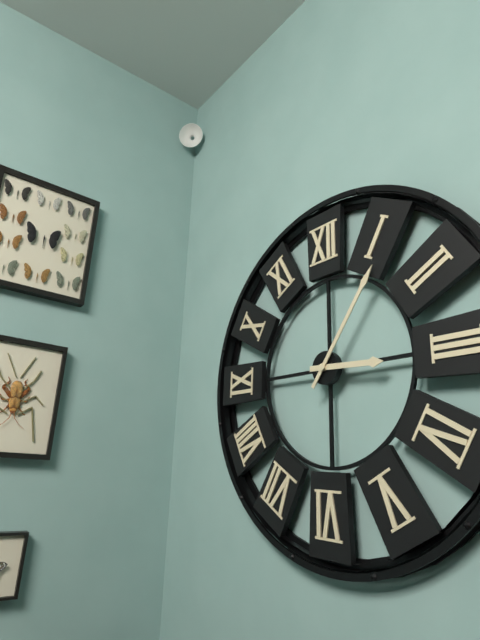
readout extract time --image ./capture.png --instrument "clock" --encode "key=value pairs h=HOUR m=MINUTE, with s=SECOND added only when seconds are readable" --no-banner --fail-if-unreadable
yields h=3 m=6
